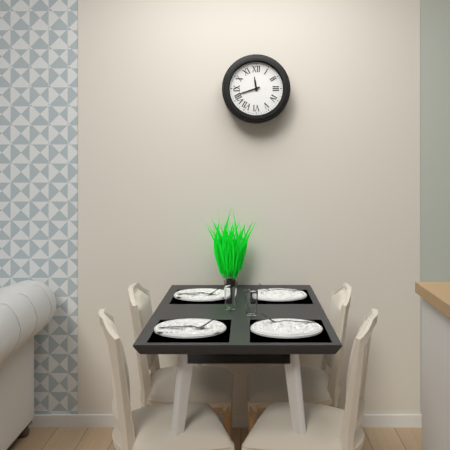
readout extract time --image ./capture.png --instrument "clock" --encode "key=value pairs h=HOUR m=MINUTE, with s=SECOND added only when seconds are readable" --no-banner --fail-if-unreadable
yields h=11 m=42
